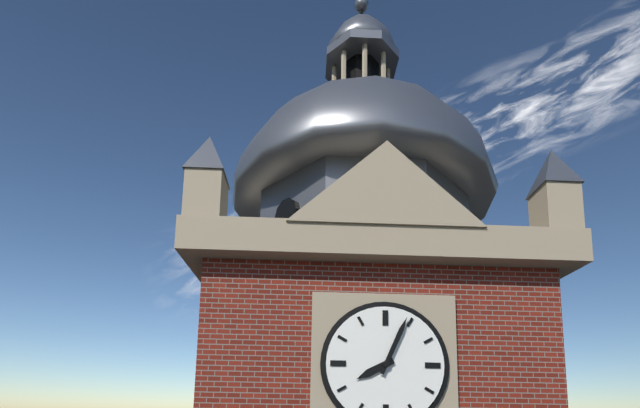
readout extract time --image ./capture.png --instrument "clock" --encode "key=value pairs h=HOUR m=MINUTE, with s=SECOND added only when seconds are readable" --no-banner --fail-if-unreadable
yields h=8 m=4
